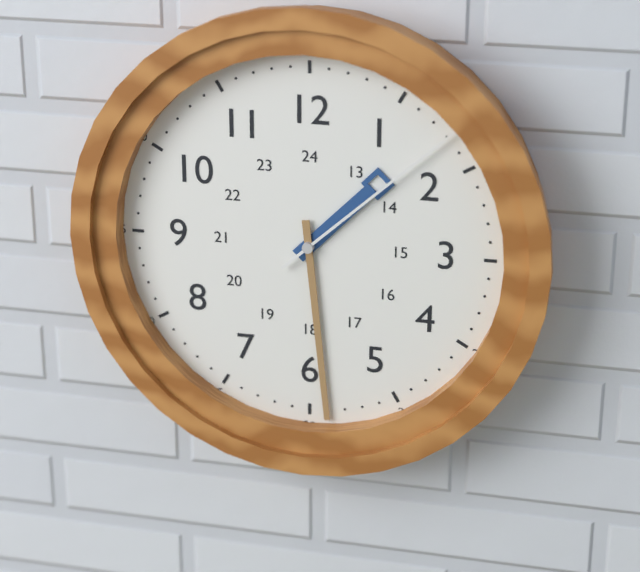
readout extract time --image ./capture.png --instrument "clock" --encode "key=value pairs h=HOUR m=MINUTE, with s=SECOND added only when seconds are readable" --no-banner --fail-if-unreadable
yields h=1 m=29 s=8
